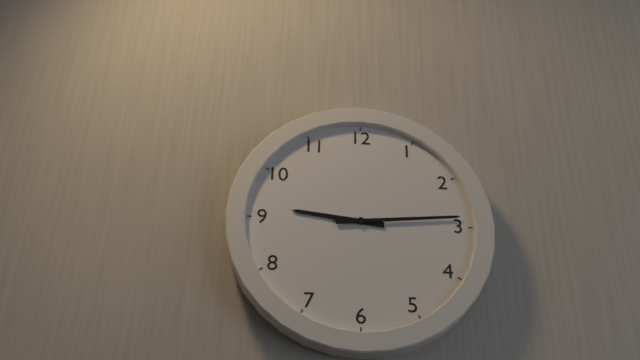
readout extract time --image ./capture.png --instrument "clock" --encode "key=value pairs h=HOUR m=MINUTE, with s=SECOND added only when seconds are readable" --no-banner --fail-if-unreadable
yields h=9 m=14
